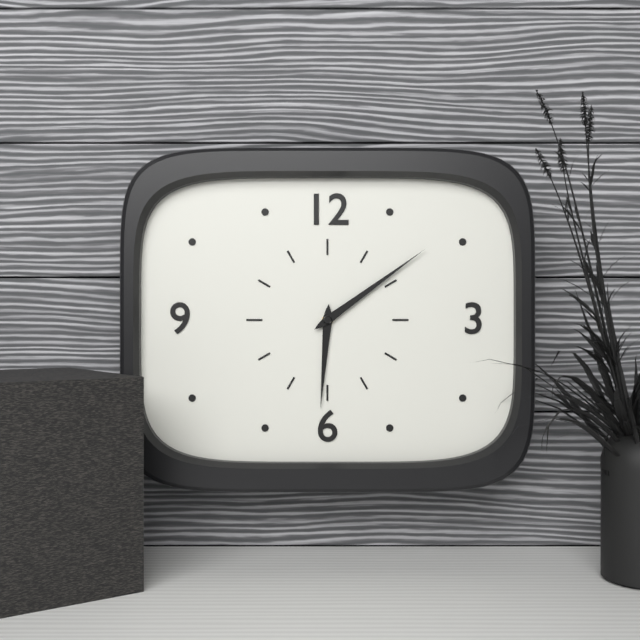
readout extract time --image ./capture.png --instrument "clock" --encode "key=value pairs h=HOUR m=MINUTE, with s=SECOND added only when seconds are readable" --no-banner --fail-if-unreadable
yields h=6 m=9
